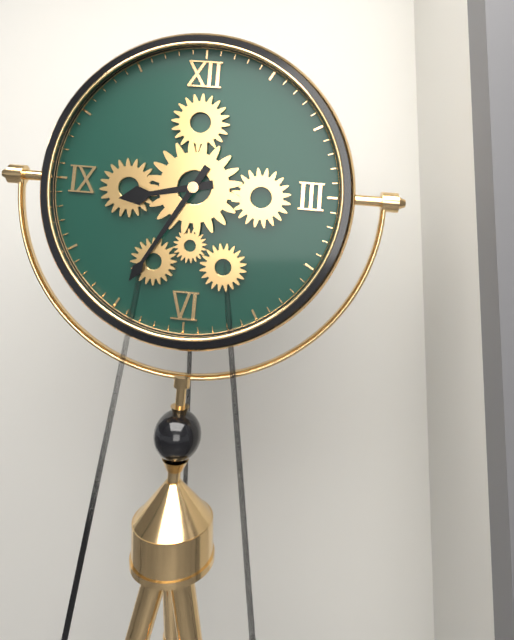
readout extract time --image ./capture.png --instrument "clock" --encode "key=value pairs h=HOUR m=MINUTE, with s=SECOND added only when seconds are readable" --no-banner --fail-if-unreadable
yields h=8 m=35
